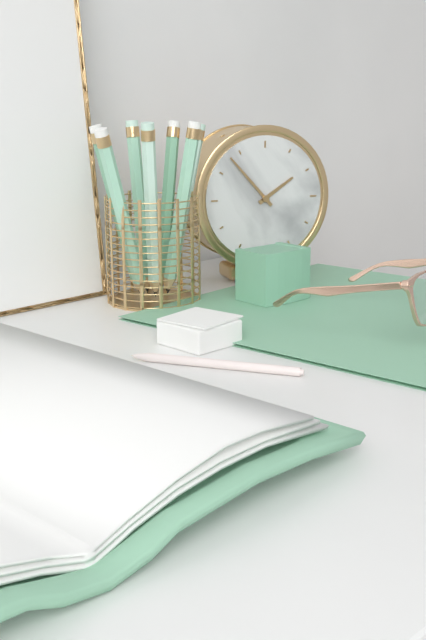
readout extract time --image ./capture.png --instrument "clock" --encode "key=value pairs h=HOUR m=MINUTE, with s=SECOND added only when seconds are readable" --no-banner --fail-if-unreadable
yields h=1 m=53
